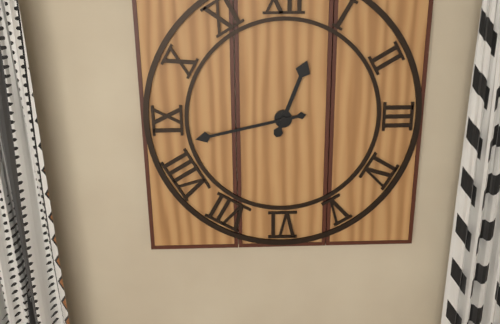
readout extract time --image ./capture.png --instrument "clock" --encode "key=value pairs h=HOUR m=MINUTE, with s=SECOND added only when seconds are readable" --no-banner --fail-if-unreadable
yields h=12 m=43
